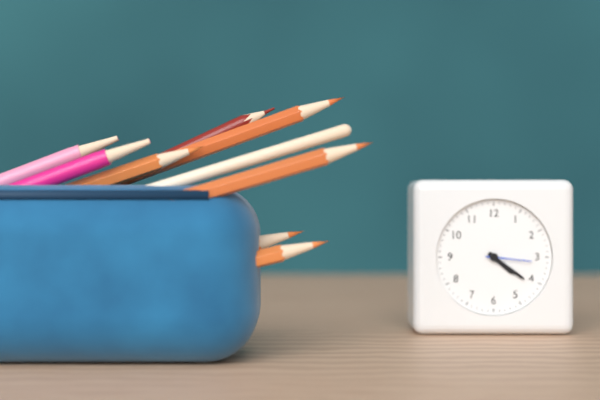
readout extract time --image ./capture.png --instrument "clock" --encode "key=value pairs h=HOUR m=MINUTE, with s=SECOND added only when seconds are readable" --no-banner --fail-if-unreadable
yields h=4 m=21
